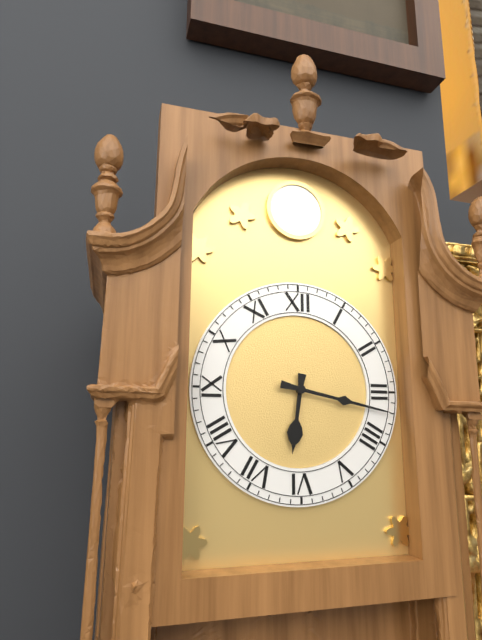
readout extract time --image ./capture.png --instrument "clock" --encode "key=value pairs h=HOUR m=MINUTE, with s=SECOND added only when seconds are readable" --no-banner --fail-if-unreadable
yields h=6 m=17
